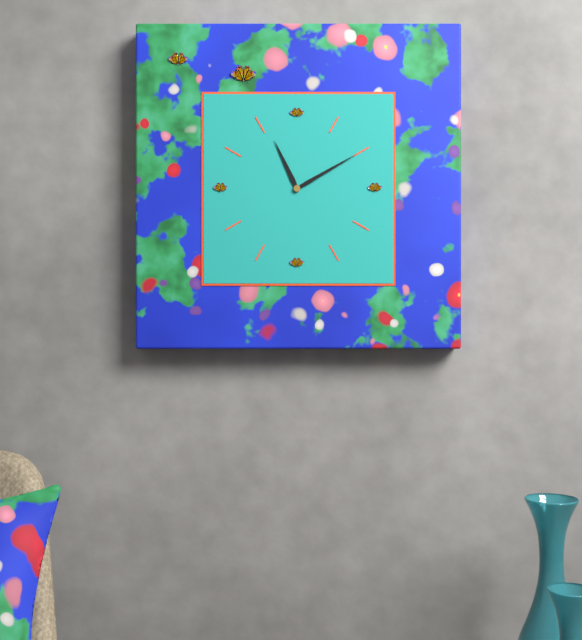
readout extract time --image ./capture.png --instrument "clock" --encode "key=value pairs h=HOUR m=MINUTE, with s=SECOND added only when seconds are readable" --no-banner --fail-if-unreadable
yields h=11 m=10
